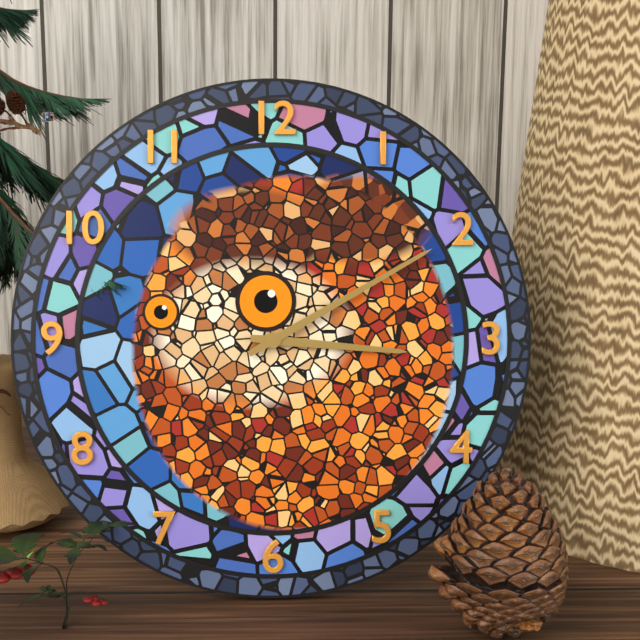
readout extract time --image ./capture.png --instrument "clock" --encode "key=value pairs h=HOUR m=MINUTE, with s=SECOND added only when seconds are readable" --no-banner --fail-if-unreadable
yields h=3 m=10
